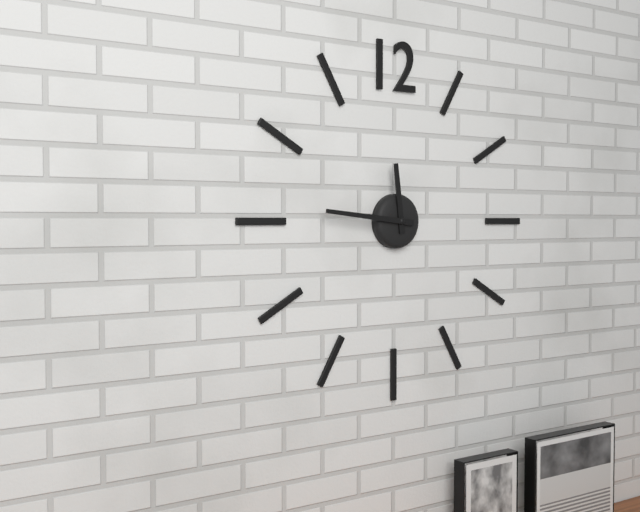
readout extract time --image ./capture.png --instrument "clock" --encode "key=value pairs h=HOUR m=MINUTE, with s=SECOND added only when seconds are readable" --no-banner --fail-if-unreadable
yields h=11 m=46
